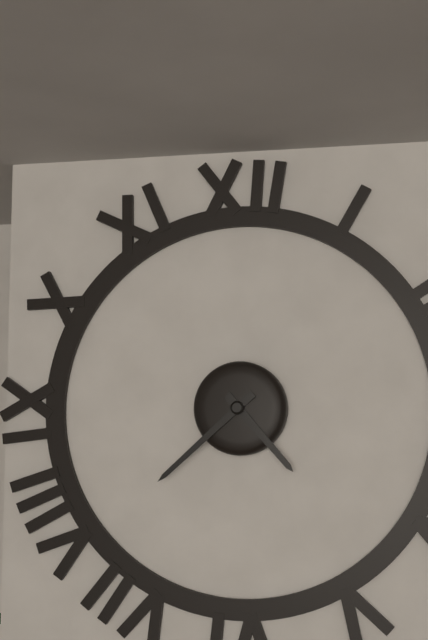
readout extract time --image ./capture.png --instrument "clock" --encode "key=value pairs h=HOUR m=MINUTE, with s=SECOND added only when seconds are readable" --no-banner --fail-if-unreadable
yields h=4 m=38
